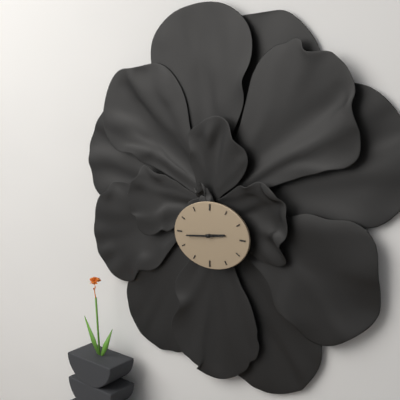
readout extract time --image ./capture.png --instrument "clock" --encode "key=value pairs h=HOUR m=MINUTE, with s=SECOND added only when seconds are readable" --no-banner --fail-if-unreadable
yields h=2 m=44
